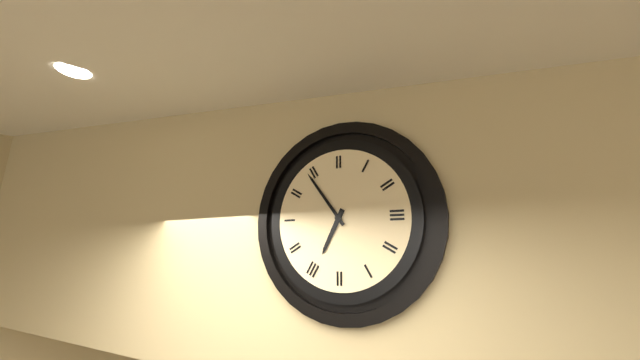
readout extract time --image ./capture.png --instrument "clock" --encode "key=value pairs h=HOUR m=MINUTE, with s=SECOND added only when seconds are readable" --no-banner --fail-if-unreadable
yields h=6 m=54
